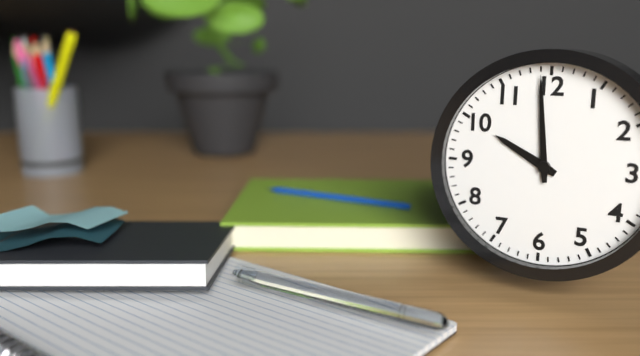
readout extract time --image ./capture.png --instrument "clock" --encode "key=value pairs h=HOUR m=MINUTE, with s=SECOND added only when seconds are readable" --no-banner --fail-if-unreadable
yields h=9 m=59
